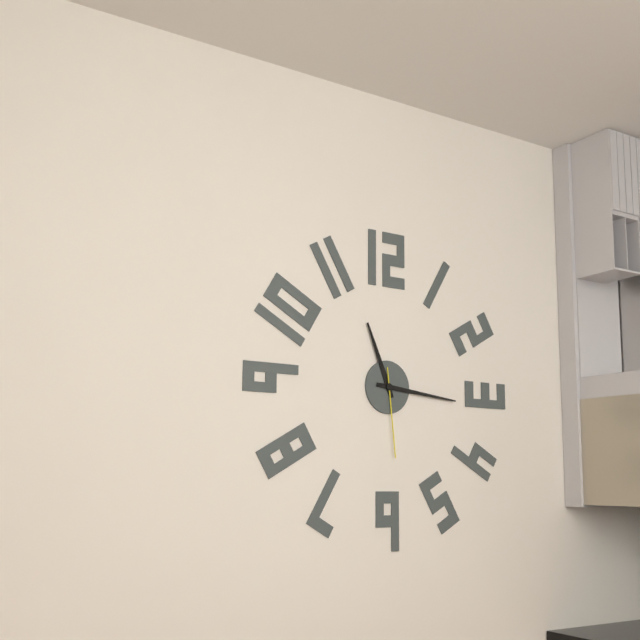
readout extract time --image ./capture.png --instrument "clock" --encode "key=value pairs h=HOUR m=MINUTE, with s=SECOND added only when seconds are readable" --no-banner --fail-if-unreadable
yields h=11 m=16 s=29
